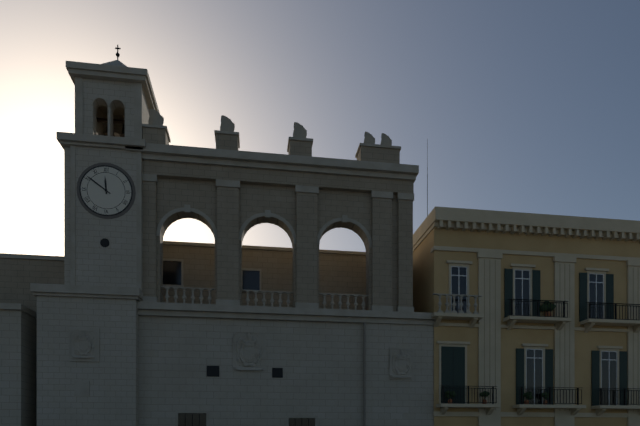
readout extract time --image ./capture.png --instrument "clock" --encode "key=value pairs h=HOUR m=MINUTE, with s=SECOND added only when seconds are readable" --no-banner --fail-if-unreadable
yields h=11 m=51
